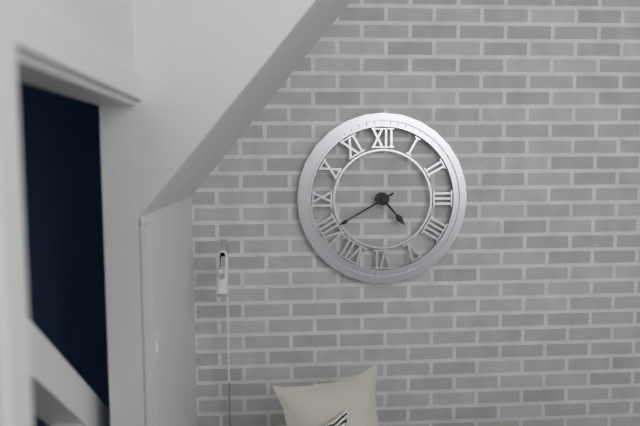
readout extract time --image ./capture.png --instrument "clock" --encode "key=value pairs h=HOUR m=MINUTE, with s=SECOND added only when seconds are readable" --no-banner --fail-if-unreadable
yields h=4 m=40
